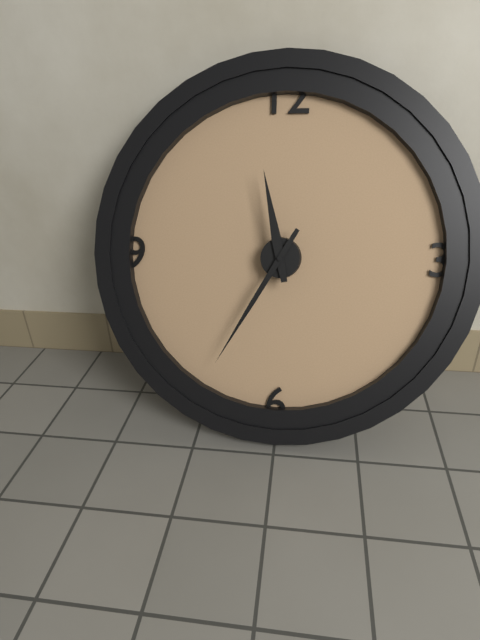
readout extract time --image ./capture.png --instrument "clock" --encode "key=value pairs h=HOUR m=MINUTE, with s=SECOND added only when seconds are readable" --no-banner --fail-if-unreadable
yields h=11 m=35
